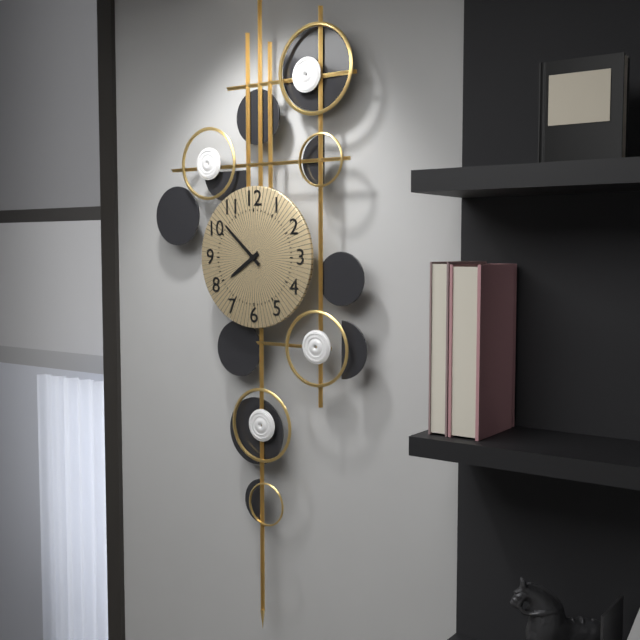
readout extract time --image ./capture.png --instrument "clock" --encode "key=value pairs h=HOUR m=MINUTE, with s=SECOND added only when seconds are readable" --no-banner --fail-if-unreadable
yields h=7 m=52
